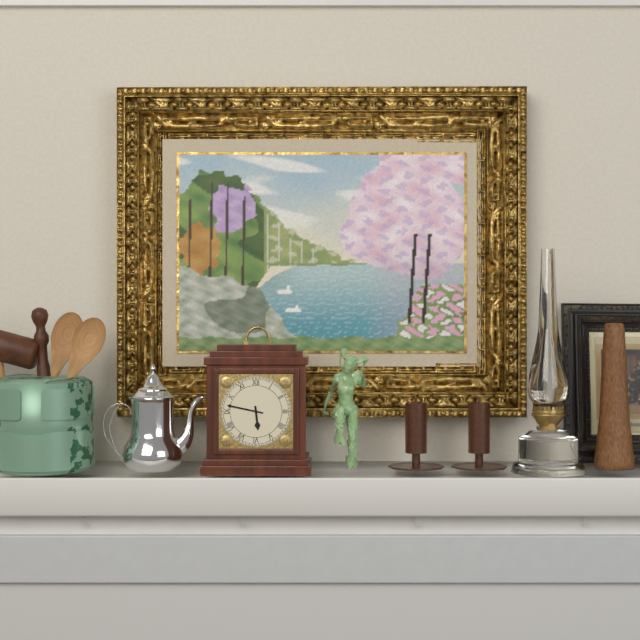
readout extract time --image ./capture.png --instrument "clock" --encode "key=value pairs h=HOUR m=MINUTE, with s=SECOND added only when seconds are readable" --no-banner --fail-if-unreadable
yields h=5 m=47
